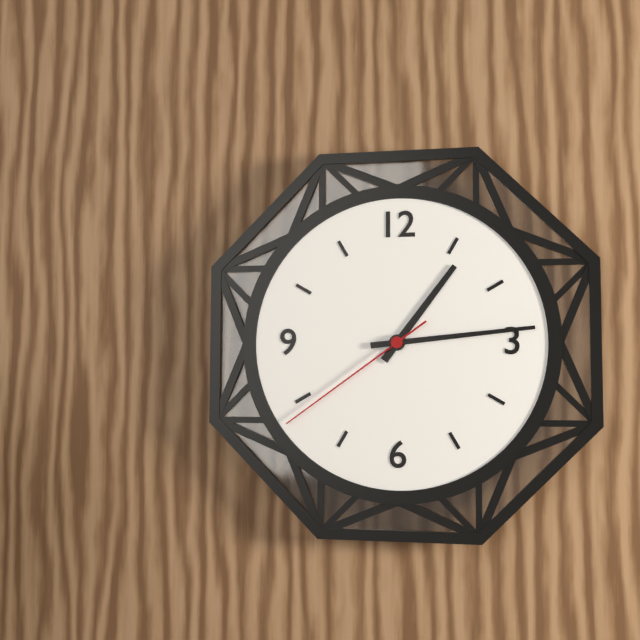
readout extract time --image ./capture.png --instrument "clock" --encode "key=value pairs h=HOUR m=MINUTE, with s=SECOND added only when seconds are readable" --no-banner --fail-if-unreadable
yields h=1 m=14 s=39
